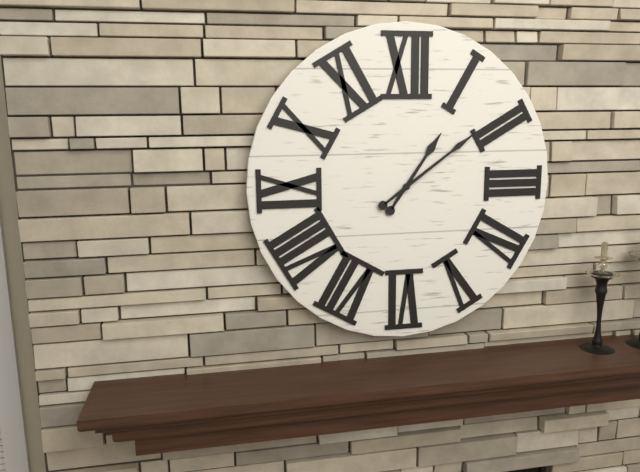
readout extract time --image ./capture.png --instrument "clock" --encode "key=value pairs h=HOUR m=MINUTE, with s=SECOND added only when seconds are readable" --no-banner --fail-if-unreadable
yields h=1 m=9
